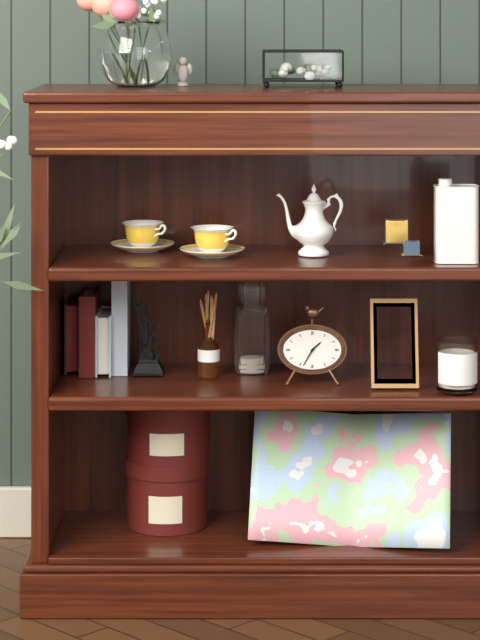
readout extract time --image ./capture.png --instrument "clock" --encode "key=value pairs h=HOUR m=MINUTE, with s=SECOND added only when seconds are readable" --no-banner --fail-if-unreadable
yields h=1 m=35
